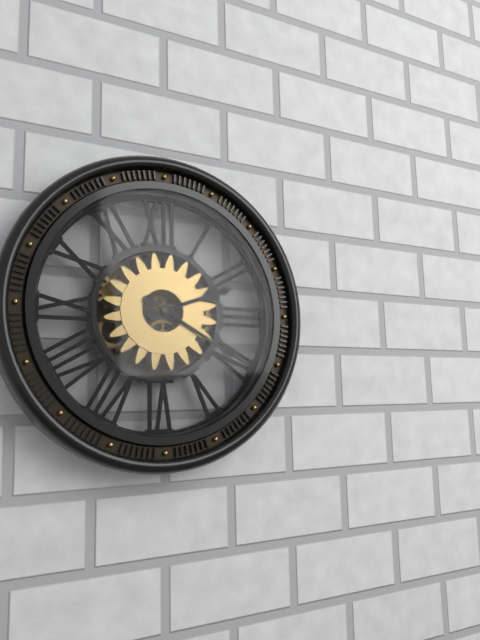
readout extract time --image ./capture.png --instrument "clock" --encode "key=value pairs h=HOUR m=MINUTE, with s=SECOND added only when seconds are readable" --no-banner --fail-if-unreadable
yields h=2 m=20
